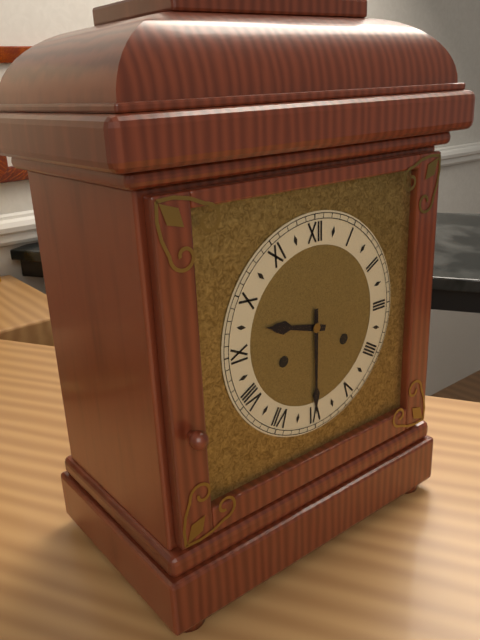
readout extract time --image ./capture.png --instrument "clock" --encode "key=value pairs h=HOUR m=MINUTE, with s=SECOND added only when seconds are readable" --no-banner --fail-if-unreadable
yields h=9 m=30
